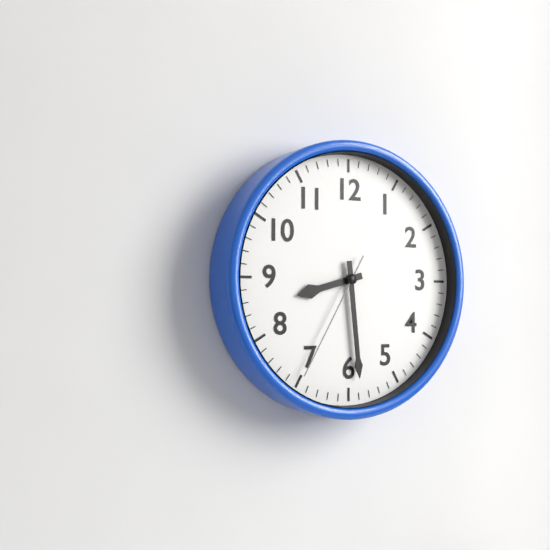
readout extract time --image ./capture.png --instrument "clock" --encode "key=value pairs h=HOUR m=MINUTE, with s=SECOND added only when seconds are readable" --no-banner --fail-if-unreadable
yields h=8 m=29 s=35
